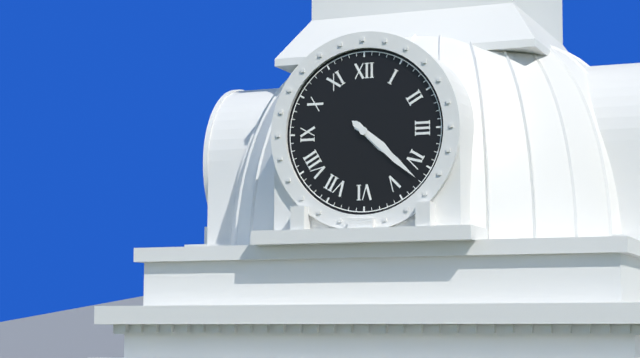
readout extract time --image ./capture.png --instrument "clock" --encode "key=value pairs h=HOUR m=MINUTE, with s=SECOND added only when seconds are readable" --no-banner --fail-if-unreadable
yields h=4 m=22
